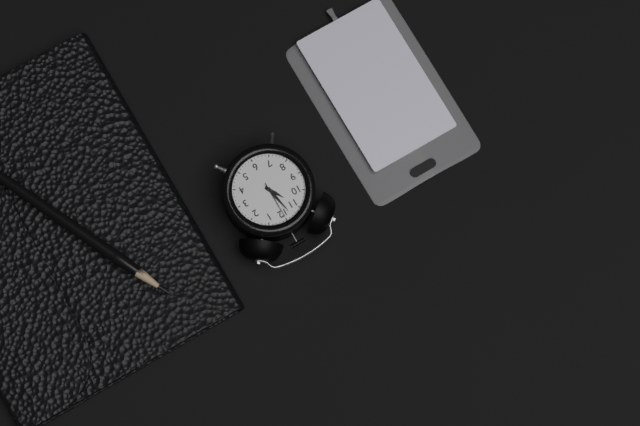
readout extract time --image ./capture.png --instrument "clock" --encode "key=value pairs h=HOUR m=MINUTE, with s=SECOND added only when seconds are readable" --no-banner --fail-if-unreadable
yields h=10 m=58
